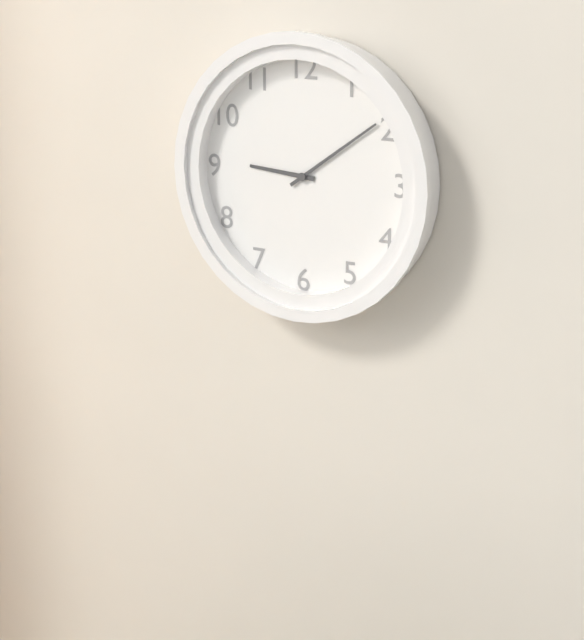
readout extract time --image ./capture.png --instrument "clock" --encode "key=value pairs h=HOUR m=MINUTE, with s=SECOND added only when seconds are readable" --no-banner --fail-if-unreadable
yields h=9 m=9
